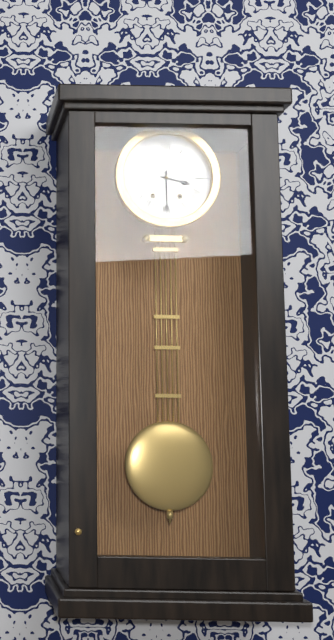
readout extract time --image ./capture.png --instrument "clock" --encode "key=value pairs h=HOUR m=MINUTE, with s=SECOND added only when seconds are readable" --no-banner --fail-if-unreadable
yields h=3 m=30
